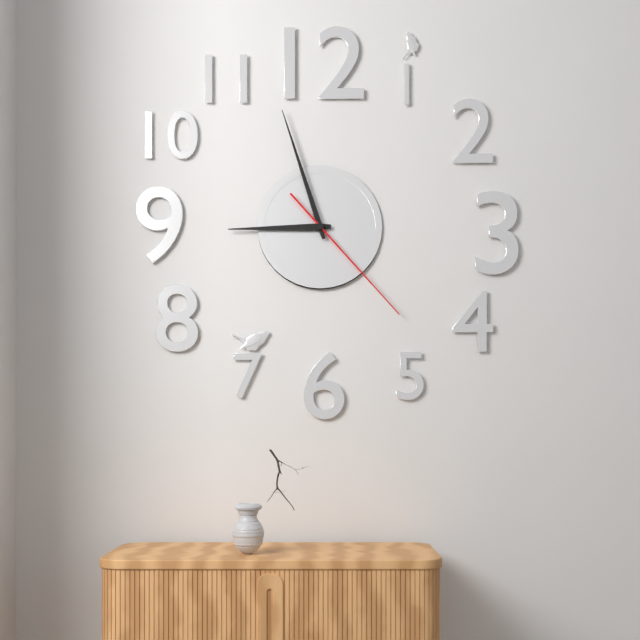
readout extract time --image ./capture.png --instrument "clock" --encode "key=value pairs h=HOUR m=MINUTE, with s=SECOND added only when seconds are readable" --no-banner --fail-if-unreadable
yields h=8 m=57 s=23
